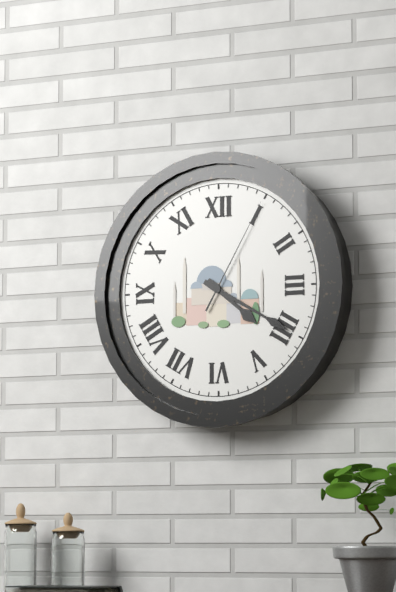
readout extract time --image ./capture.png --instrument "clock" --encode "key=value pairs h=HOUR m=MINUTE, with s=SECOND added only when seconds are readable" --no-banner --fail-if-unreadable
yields h=4 m=20 s=5
